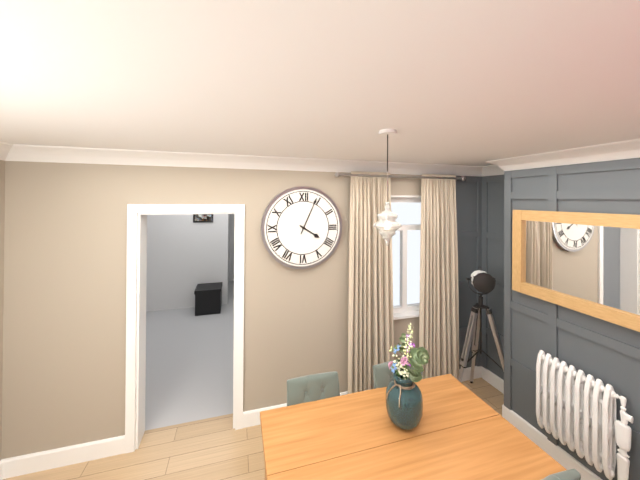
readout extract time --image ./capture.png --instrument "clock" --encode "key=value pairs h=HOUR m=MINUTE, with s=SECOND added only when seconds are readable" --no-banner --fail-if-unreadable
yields h=4 m=4
